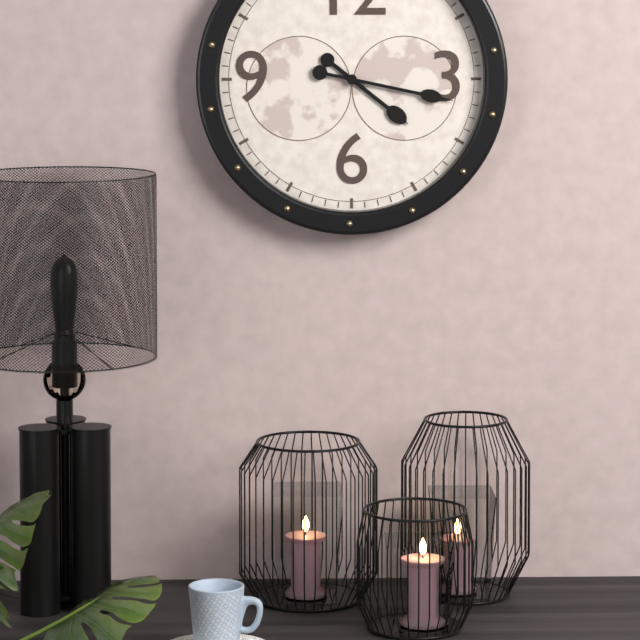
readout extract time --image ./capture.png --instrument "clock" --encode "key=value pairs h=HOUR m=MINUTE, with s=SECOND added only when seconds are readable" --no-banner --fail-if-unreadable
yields h=4 m=17
